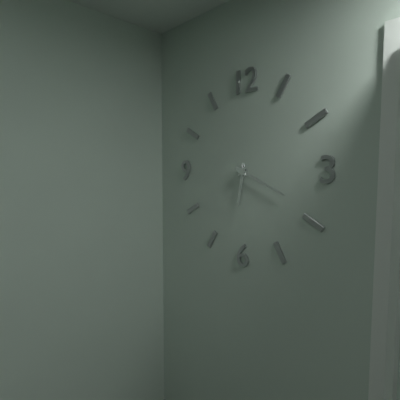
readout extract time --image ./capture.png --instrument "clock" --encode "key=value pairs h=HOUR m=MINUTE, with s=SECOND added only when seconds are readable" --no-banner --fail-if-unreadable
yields h=6 m=19
